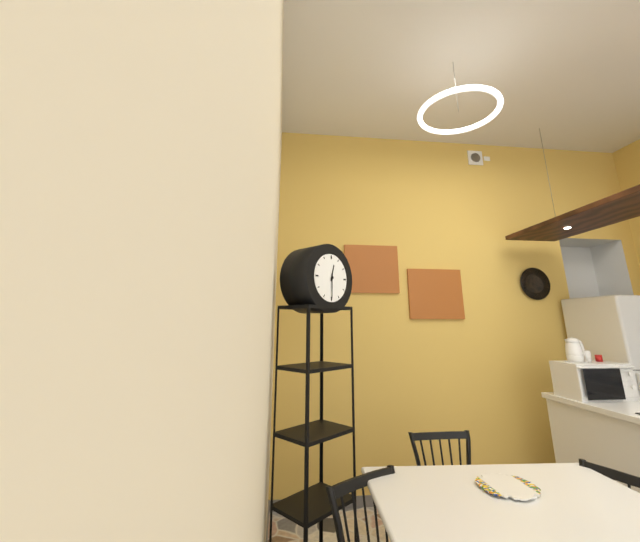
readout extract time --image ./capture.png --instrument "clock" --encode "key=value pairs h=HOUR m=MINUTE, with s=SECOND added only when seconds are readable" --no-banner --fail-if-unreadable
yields h=12 m=30
